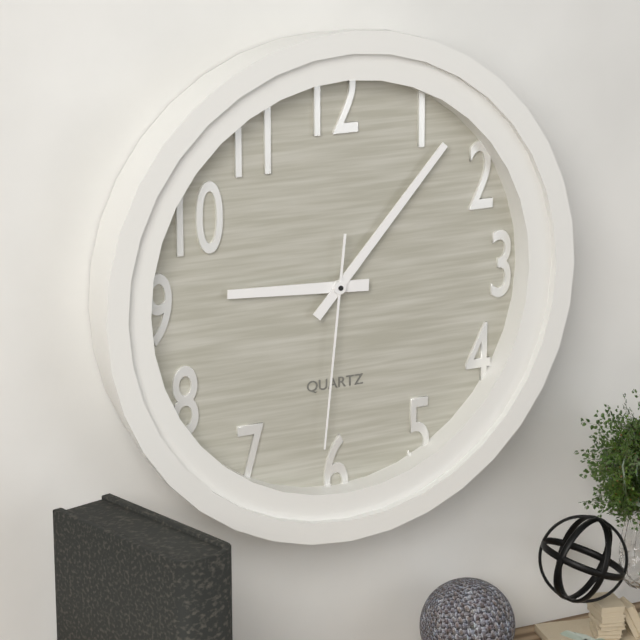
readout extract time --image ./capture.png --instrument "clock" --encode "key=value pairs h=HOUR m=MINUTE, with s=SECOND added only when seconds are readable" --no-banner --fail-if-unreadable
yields h=9 m=7 s=31
